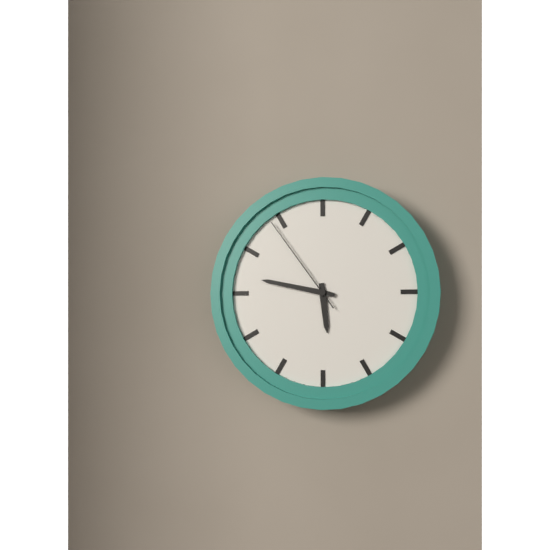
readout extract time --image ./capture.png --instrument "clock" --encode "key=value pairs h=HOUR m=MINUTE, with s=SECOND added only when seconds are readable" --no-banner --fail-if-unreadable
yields h=5 m=47 s=54
